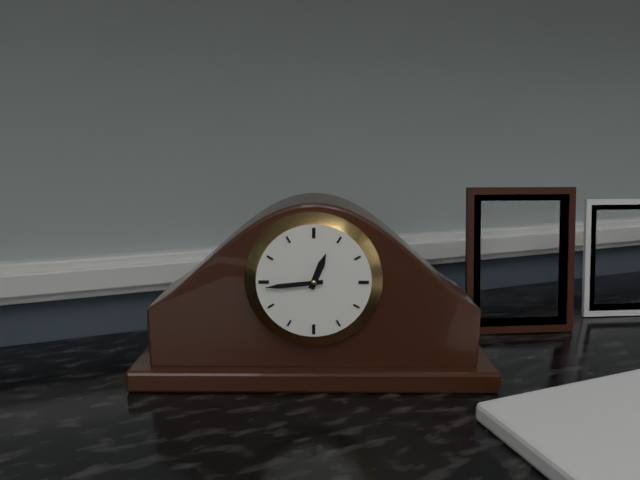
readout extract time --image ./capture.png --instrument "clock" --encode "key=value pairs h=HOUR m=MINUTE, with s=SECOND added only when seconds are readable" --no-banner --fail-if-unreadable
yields h=12 m=44
